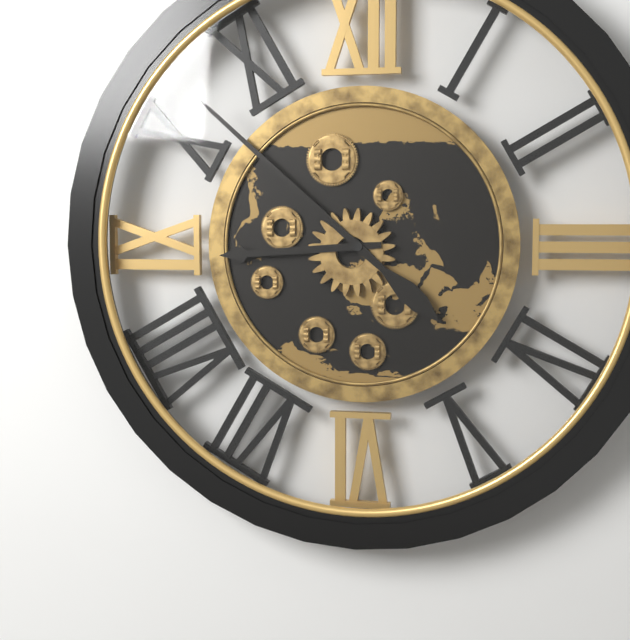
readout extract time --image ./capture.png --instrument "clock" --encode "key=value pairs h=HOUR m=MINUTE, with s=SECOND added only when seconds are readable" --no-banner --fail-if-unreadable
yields h=8 m=52
